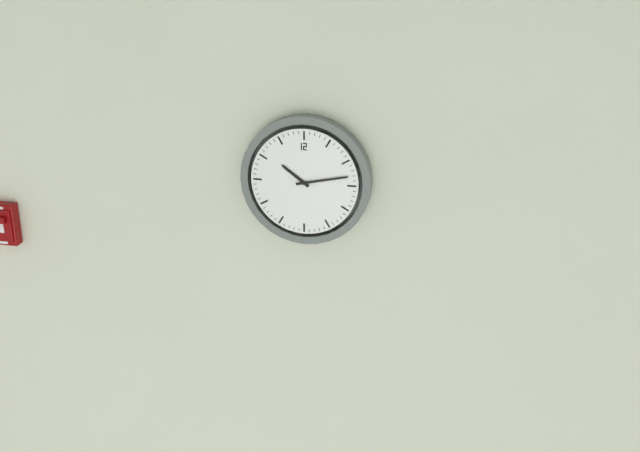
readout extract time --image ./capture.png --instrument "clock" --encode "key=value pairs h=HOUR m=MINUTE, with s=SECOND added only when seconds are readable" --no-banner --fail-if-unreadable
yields h=10 m=13
